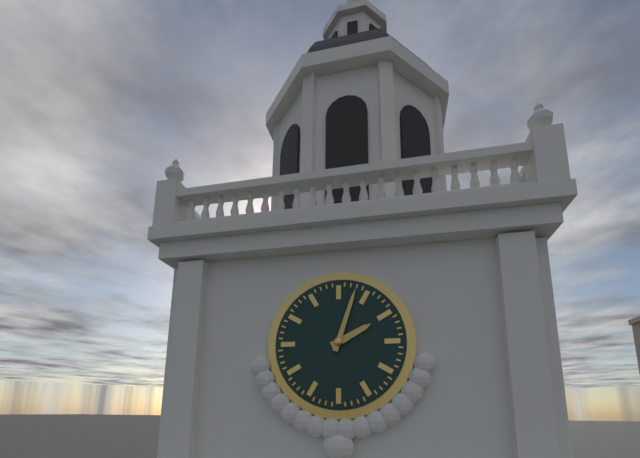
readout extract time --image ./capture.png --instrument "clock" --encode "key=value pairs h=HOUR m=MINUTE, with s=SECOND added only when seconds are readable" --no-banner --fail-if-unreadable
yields h=2 m=3
